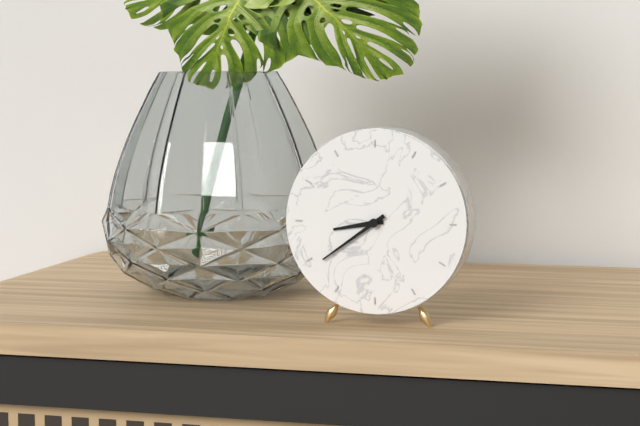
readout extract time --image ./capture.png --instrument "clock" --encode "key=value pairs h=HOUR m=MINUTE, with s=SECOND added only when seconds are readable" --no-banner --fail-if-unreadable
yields h=8 m=39
